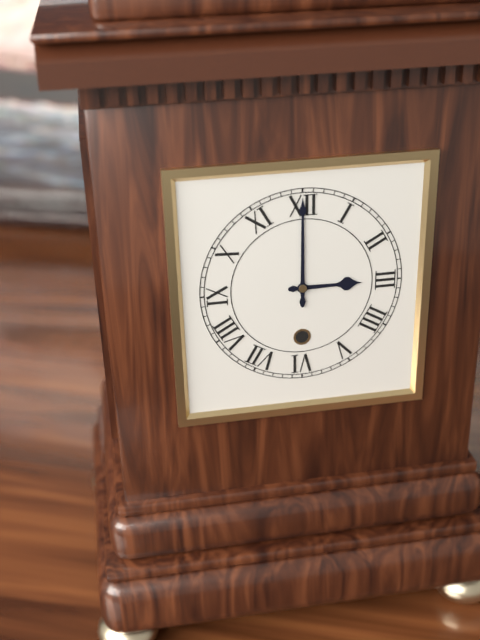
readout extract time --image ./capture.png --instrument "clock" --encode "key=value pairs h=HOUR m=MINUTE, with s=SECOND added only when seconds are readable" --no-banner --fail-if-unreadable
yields h=3 m=0
